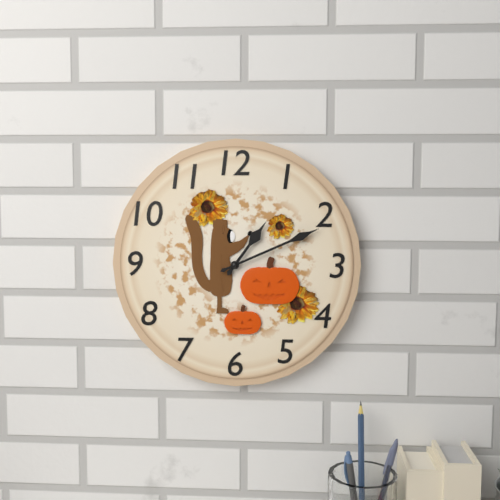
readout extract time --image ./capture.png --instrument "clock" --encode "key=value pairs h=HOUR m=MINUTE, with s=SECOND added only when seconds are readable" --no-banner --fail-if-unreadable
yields h=1 m=11
